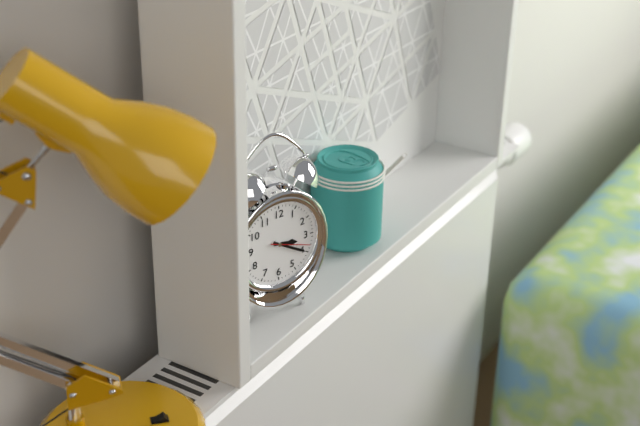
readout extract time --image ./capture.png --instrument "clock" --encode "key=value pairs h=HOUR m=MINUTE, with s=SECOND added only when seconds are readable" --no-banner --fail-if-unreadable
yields h=3 m=20
